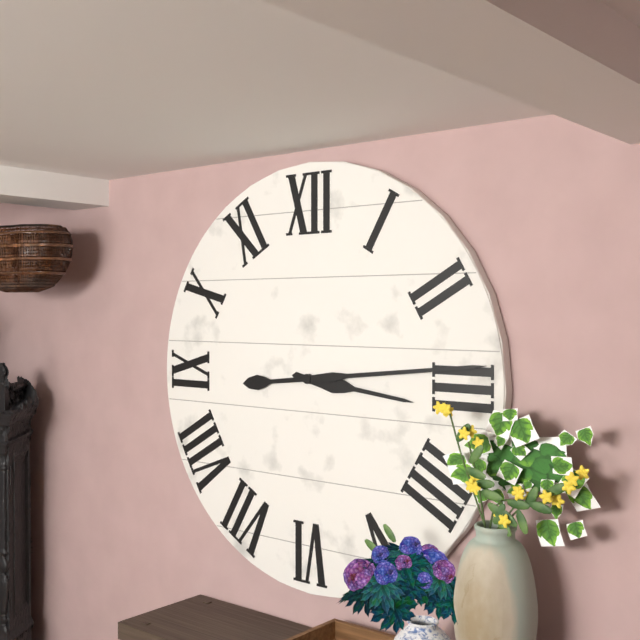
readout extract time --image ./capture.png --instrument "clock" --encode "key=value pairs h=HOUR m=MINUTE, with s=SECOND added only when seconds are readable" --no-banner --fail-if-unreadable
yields h=3 m=14
